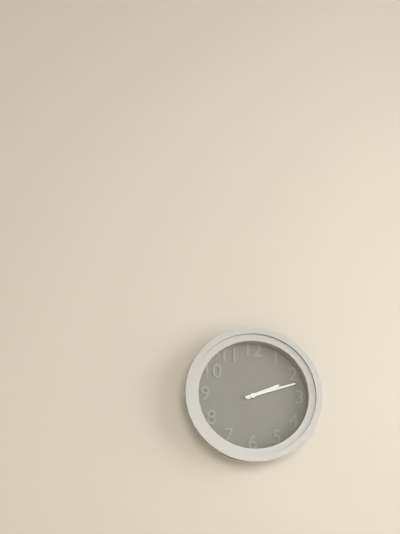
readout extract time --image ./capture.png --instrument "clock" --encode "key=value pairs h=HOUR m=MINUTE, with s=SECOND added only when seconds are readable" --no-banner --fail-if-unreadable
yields h=2 m=12
